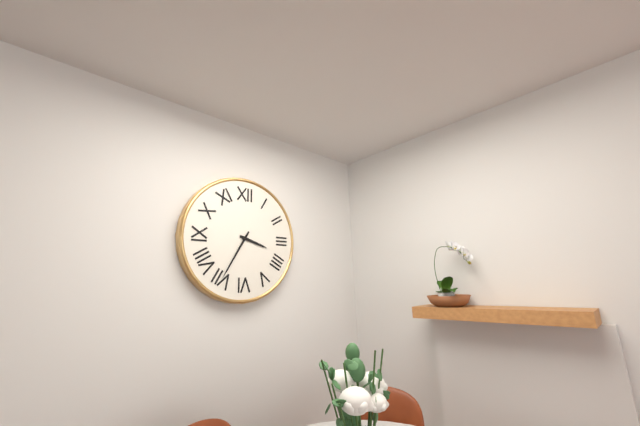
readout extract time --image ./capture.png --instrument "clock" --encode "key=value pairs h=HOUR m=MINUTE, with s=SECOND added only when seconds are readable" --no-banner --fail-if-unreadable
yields h=3 m=35
